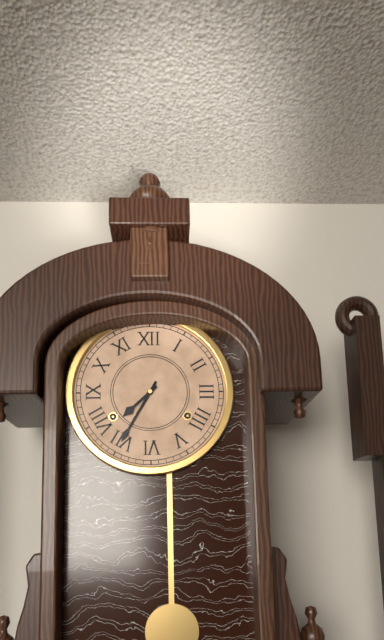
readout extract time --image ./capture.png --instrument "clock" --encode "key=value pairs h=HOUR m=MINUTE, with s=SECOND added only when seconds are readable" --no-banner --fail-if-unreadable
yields h=7 m=35
